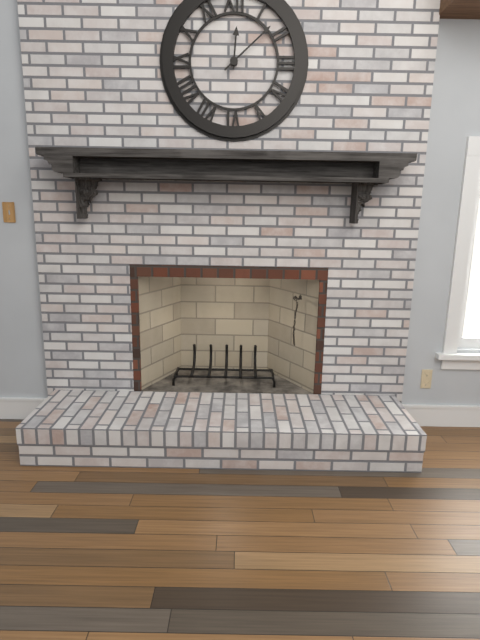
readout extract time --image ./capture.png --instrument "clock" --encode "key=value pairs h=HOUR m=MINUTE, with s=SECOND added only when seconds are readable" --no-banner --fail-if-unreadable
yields h=12 m=8
